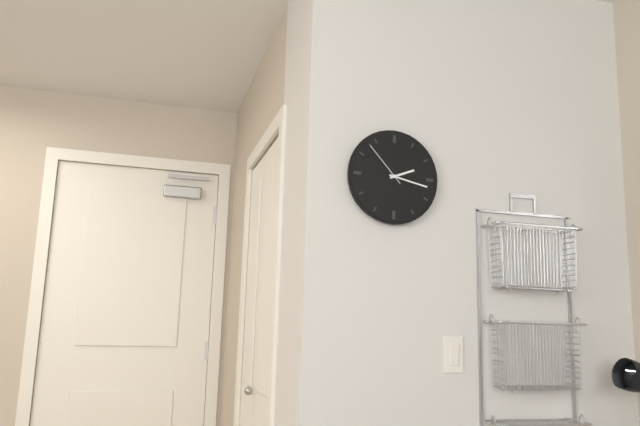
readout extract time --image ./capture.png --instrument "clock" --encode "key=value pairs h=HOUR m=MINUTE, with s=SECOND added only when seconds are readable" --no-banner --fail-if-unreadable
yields h=2 m=17 s=53
